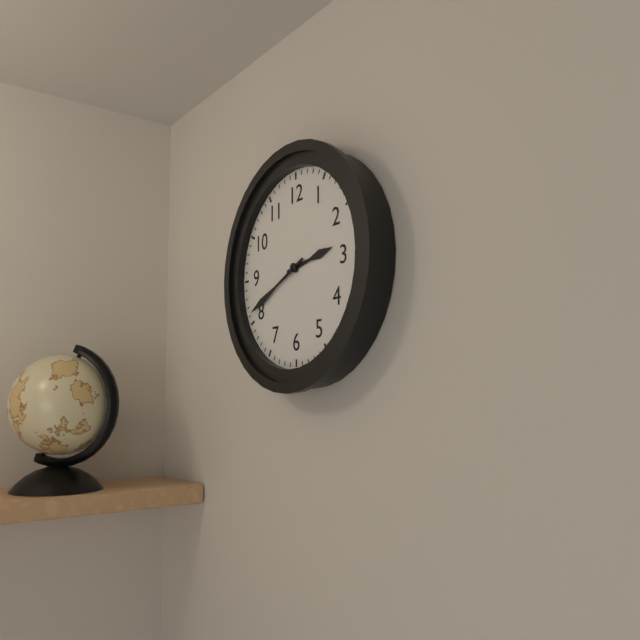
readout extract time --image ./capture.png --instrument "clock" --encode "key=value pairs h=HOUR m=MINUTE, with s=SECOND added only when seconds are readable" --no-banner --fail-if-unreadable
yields h=2 m=41
